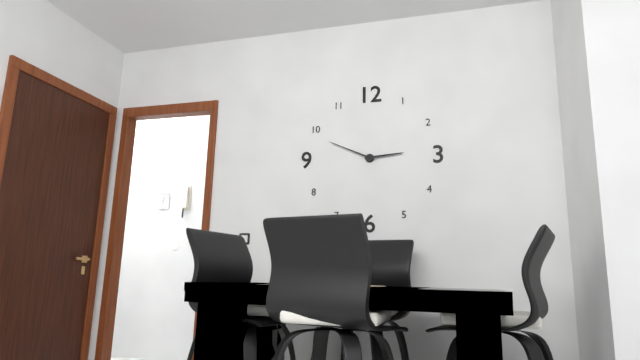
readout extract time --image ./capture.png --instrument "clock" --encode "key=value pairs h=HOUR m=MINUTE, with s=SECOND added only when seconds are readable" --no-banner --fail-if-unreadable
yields h=2 m=49
